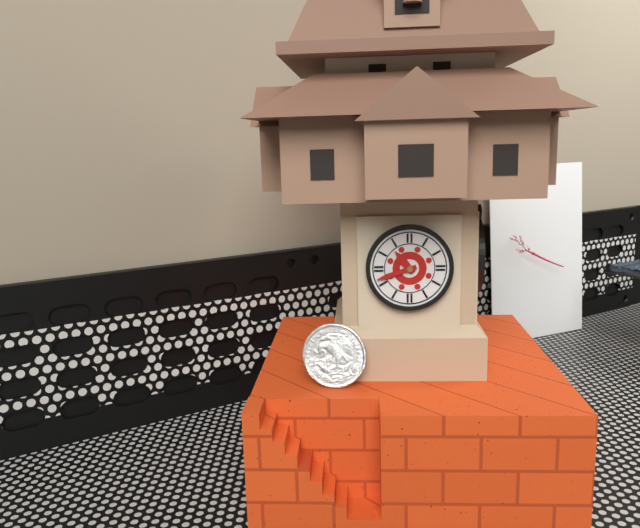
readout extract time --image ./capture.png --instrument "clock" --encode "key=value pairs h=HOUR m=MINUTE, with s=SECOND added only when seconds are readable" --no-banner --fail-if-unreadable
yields h=10 m=42
